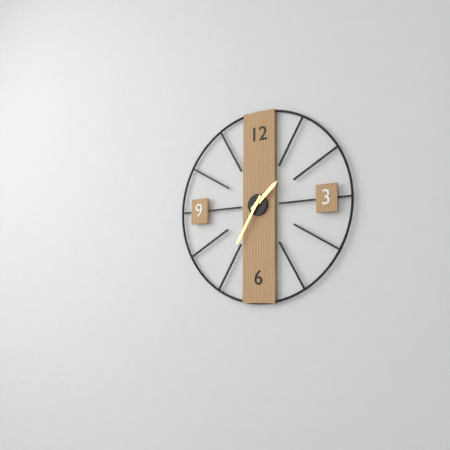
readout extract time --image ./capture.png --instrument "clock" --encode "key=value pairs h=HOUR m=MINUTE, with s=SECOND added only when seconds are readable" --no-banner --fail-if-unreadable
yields h=1 m=35
